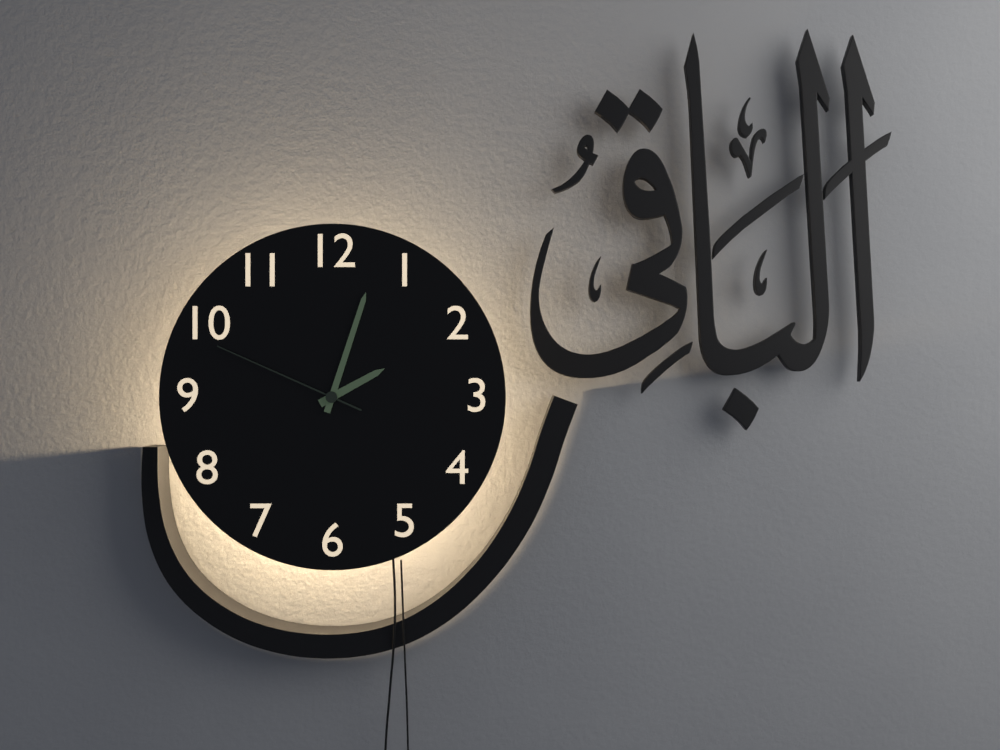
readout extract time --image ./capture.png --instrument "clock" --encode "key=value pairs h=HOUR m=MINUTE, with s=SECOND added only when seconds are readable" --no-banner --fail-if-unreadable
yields h=2 m=3 s=49
